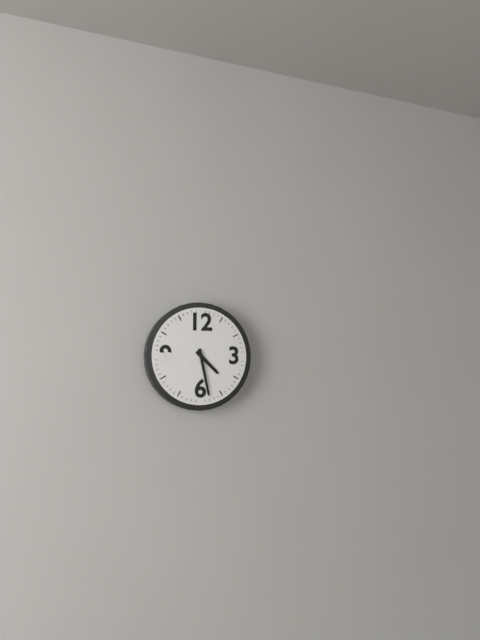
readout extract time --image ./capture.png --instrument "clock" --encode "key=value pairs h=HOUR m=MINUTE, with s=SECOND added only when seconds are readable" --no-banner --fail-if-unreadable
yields h=4 m=28
